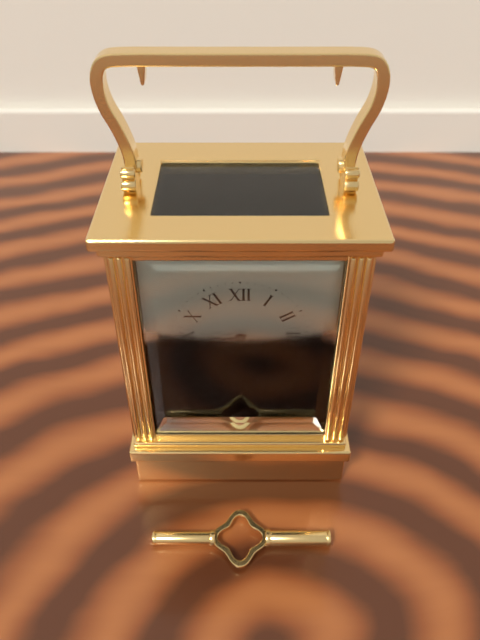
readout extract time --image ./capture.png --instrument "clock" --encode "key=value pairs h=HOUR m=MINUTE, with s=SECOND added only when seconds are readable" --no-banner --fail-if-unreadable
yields h=8 m=39
